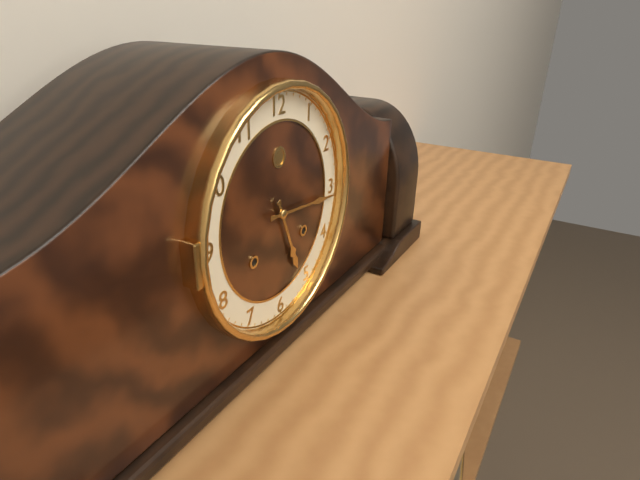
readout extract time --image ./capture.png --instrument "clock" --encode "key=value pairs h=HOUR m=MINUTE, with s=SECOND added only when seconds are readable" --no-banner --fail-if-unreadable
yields h=5 m=16
